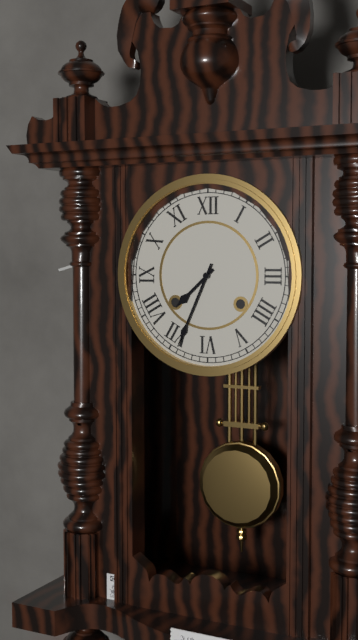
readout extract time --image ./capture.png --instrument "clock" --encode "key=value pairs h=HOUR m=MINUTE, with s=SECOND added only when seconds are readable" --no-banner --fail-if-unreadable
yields h=7 m=34
